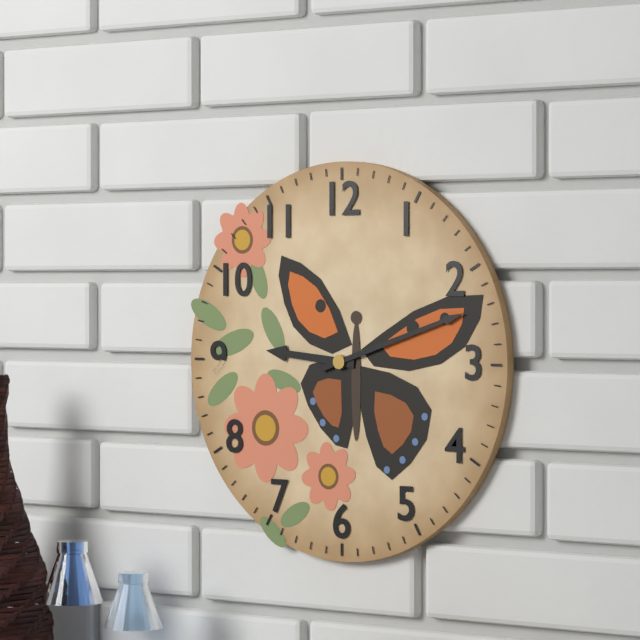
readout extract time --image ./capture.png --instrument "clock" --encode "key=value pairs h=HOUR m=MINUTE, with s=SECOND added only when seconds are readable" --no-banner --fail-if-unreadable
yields h=9 m=12
